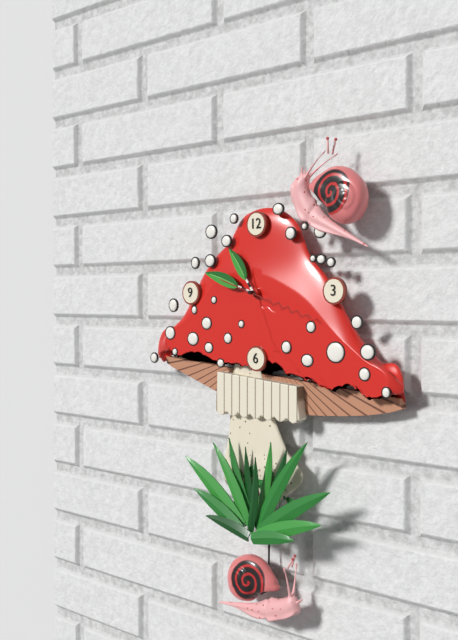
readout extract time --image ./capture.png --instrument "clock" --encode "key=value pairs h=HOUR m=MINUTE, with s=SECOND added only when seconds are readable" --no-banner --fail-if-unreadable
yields h=10 m=48 s=18
